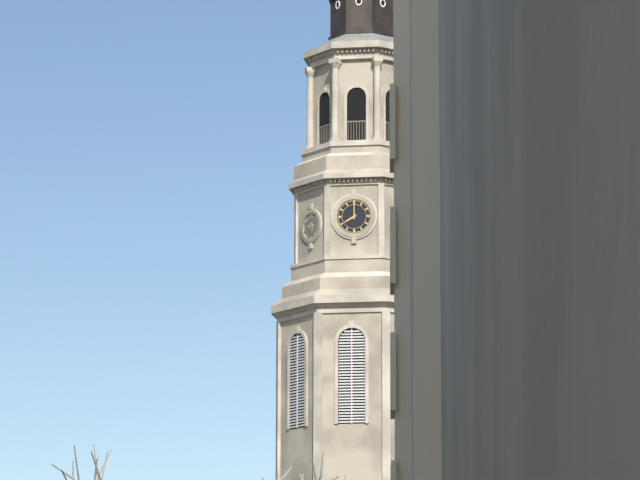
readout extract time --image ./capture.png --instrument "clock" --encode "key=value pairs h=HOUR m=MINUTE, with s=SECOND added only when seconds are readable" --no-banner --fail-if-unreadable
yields h=8 m=0
